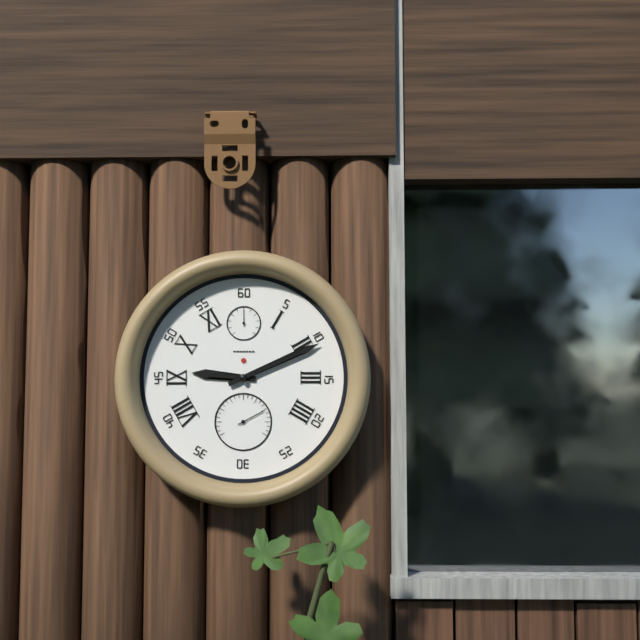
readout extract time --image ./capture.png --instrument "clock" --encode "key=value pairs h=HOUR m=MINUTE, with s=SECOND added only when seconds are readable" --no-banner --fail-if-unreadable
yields h=9 m=11
